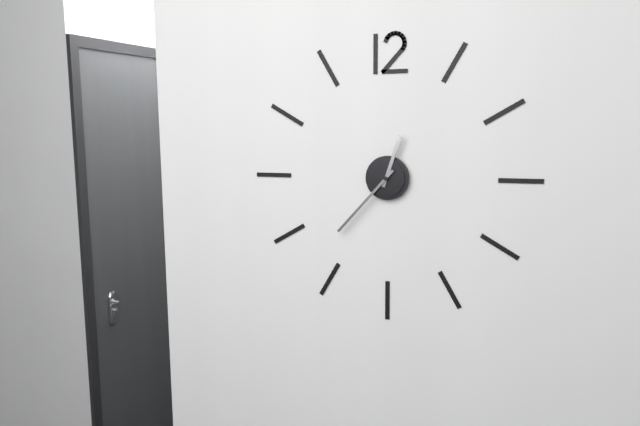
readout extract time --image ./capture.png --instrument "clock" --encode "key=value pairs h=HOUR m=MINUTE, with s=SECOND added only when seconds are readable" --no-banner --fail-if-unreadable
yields h=12 m=37
